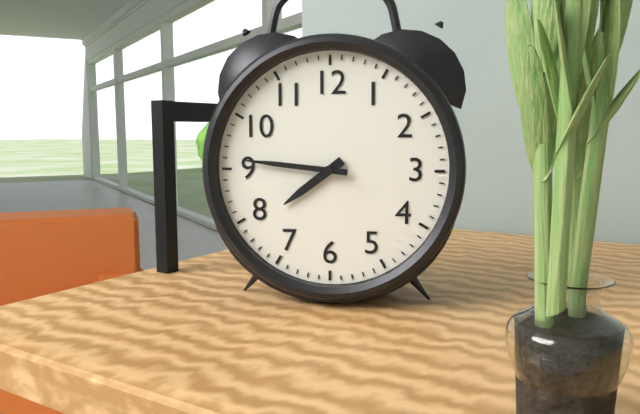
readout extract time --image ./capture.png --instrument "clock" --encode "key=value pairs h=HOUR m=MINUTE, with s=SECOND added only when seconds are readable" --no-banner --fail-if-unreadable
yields h=7 m=46
